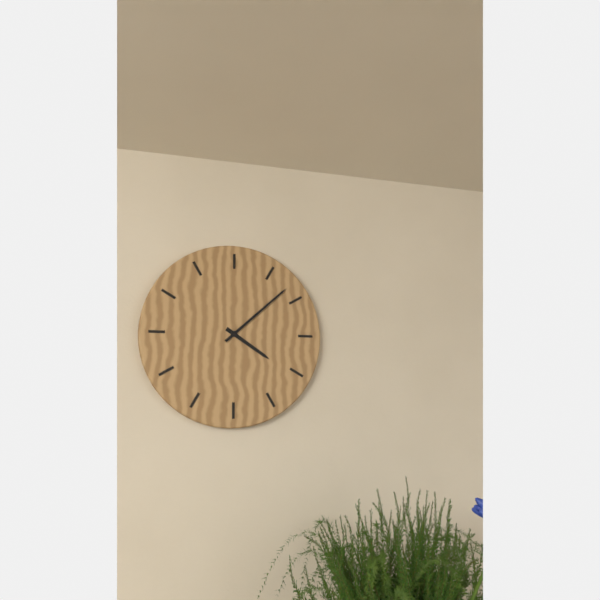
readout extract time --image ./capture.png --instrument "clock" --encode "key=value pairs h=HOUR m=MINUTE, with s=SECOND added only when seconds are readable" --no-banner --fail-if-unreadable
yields h=4 m=8
